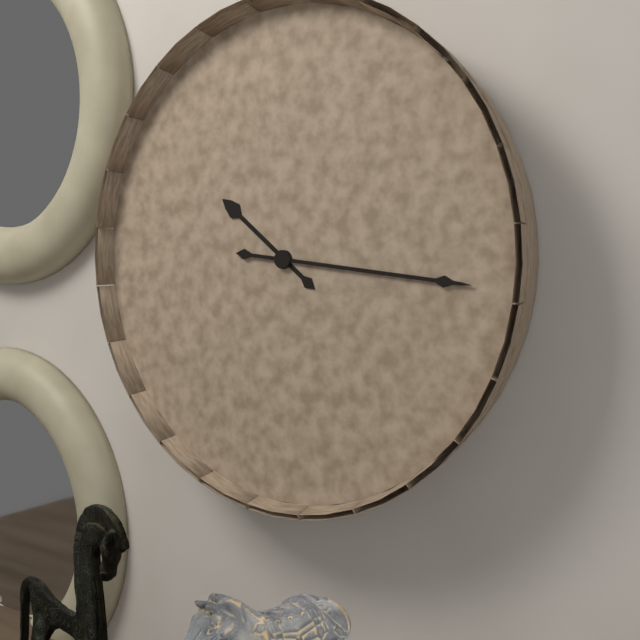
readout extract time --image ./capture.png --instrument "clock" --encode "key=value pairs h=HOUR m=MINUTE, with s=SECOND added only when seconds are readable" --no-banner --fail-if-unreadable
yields h=10 m=16
